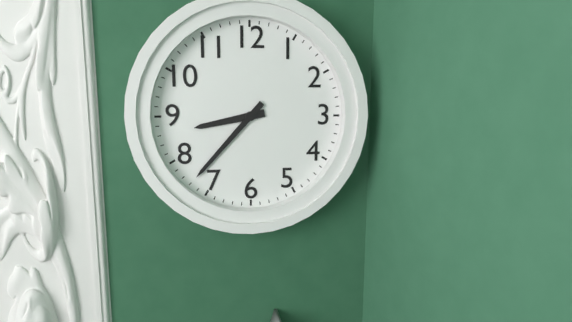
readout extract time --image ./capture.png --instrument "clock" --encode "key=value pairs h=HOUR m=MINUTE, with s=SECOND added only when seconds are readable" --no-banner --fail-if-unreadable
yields h=8 m=37
